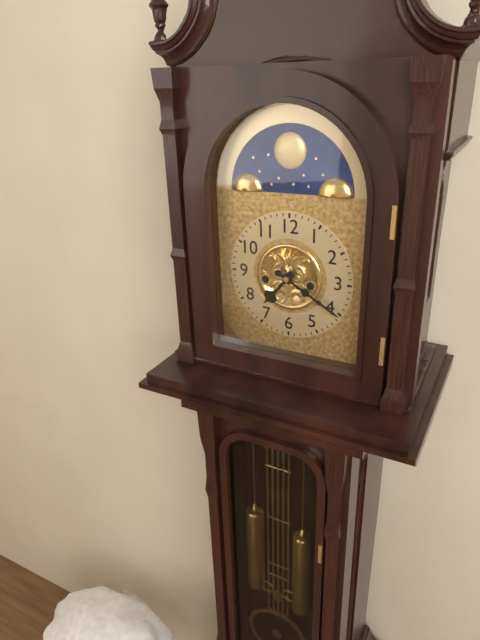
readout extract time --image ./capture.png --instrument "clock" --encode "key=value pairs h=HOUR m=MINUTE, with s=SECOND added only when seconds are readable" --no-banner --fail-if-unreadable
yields h=7 m=20
